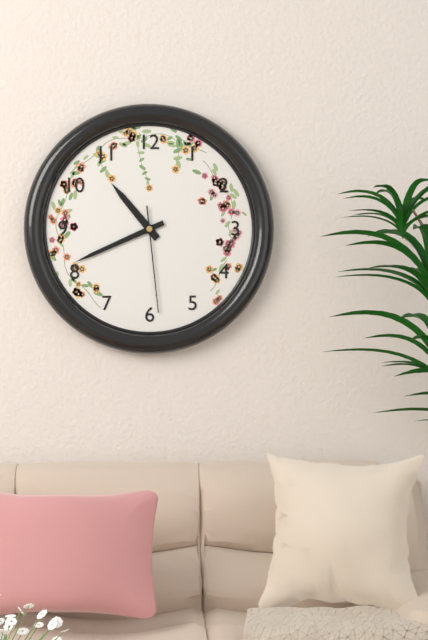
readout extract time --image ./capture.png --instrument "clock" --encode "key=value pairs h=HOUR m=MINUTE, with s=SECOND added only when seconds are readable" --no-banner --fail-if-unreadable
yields h=10 m=41 s=29
